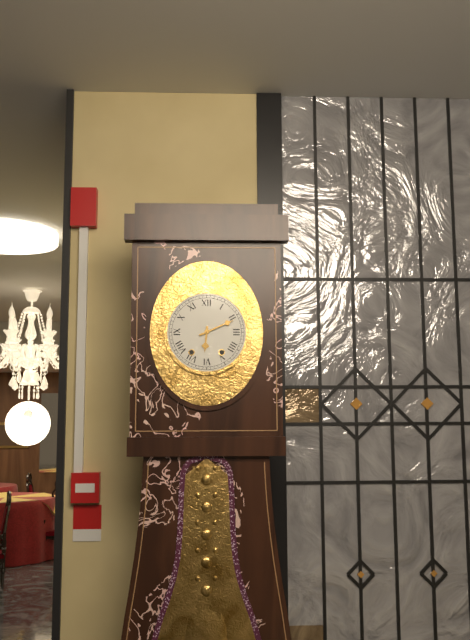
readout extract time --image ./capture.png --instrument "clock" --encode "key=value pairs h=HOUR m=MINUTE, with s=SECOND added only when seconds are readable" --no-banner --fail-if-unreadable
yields h=6 m=11
